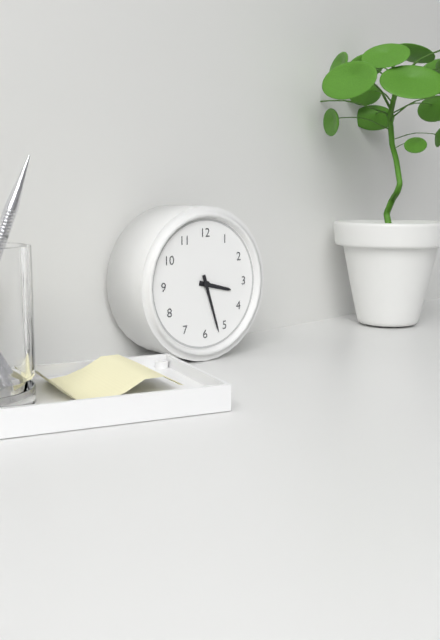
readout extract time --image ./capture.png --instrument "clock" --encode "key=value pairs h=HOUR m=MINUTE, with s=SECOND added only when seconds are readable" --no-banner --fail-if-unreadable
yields h=3 m=27
